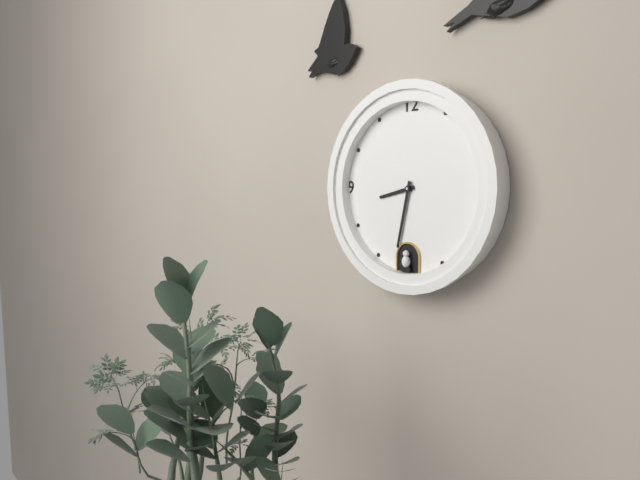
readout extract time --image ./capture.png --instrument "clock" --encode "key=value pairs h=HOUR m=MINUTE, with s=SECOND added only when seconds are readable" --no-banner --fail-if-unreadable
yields h=8 m=32
